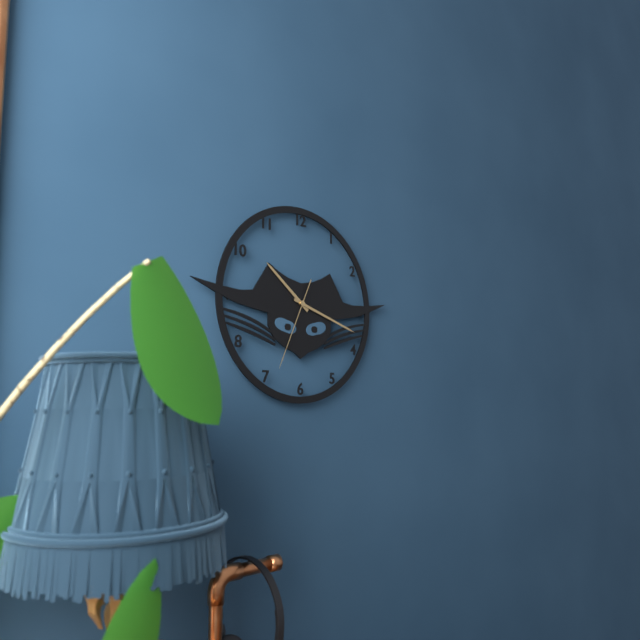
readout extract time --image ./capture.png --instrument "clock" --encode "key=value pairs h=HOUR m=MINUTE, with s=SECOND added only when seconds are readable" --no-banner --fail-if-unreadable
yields h=10 m=18 s=34
